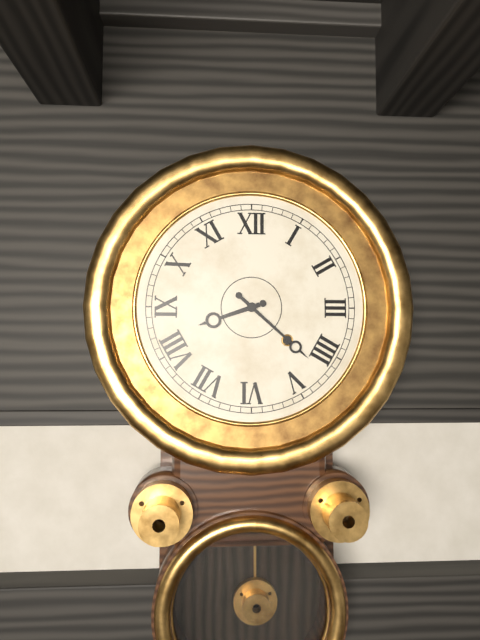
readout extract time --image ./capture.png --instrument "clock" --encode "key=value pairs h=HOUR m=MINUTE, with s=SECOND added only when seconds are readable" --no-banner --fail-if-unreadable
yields h=8 m=22
